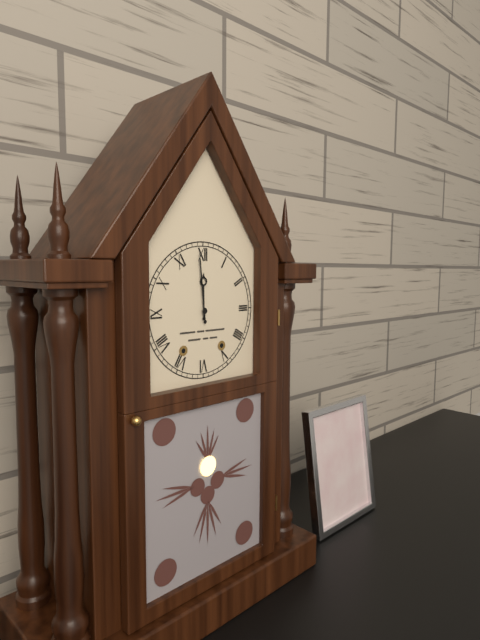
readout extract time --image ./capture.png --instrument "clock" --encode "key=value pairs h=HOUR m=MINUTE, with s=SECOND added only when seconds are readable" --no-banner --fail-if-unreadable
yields h=11 m=59
